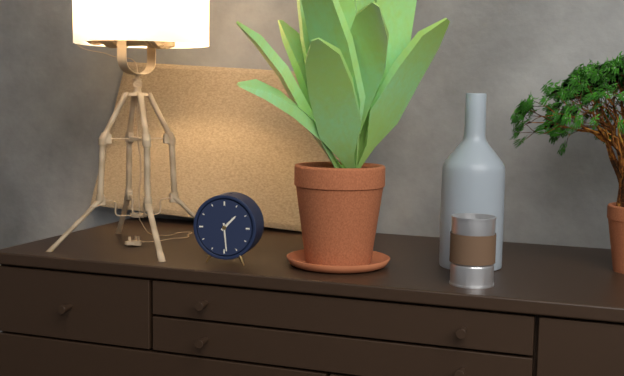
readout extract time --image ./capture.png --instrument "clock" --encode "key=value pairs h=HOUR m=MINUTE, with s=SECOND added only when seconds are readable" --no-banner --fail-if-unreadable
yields h=1 m=29
